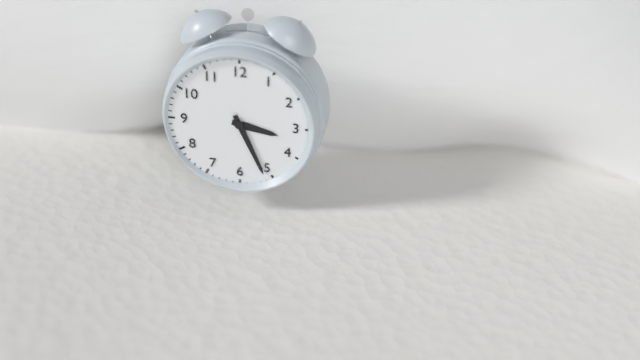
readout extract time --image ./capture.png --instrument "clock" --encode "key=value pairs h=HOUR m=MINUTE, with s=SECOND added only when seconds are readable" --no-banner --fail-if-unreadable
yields h=3 m=26
